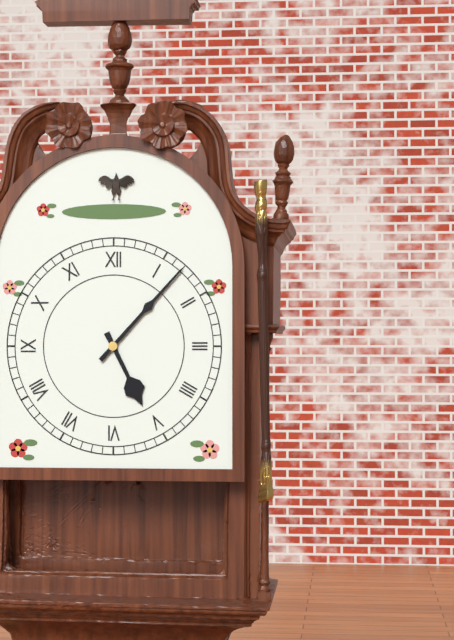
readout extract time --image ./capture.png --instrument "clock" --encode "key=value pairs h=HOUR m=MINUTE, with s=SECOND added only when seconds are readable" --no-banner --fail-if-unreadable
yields h=5 m=7
